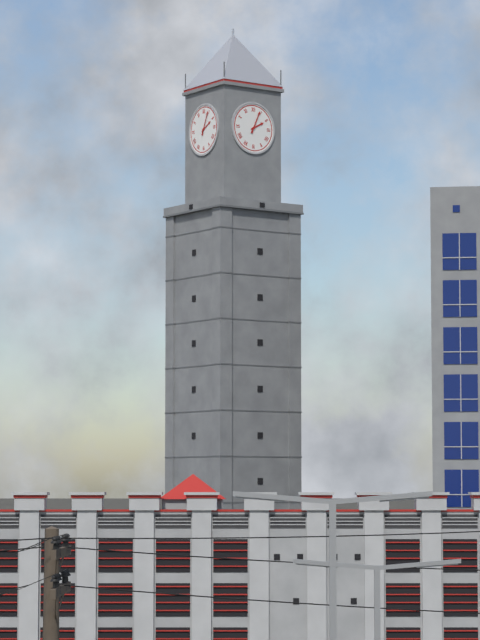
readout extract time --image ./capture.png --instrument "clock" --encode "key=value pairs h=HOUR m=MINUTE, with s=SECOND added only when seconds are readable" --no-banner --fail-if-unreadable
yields h=2 m=4
